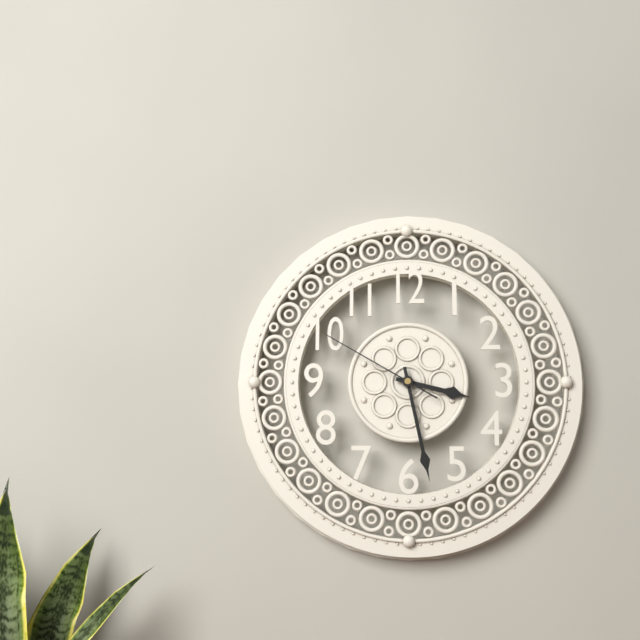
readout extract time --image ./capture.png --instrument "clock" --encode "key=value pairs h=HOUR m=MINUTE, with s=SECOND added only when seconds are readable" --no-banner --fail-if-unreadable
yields h=3 m=28 s=50
